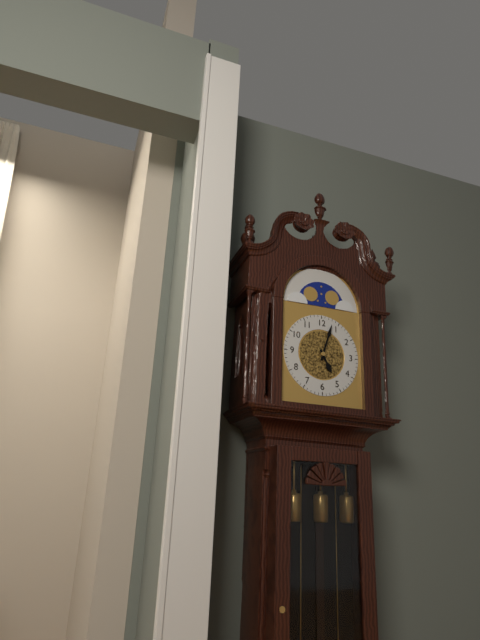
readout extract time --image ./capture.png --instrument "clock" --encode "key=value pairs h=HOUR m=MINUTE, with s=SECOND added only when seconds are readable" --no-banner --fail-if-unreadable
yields h=5 m=3
